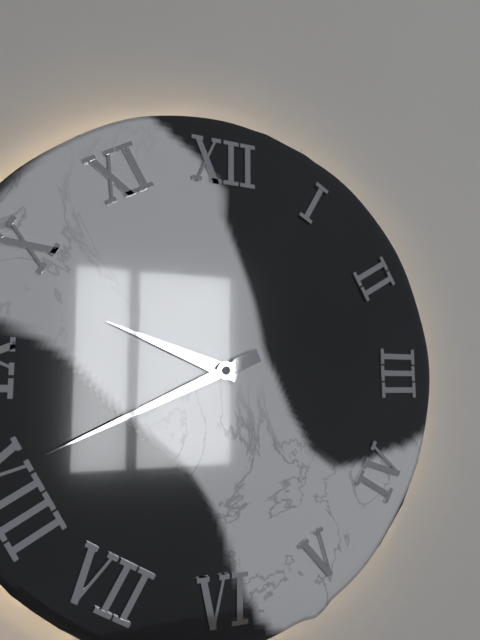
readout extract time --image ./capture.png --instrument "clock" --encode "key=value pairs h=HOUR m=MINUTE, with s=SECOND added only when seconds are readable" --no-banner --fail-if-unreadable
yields h=9 m=41
